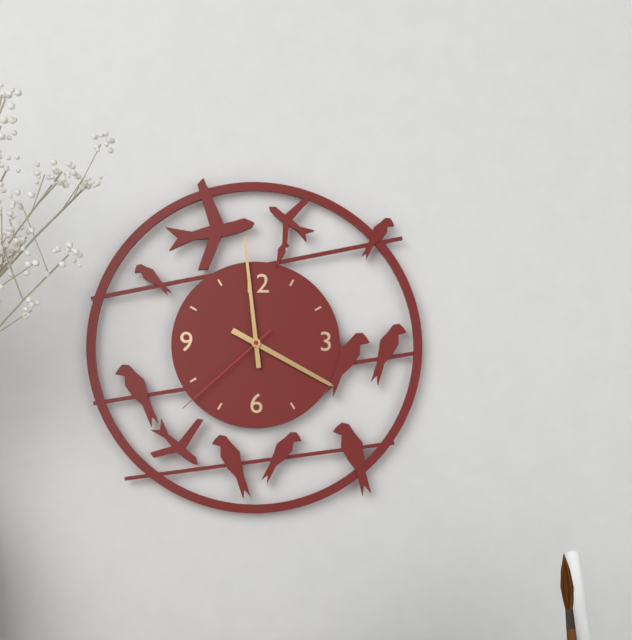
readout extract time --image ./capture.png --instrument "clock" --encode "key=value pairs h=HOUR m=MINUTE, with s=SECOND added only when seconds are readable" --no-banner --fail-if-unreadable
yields h=3 m=59 s=38
